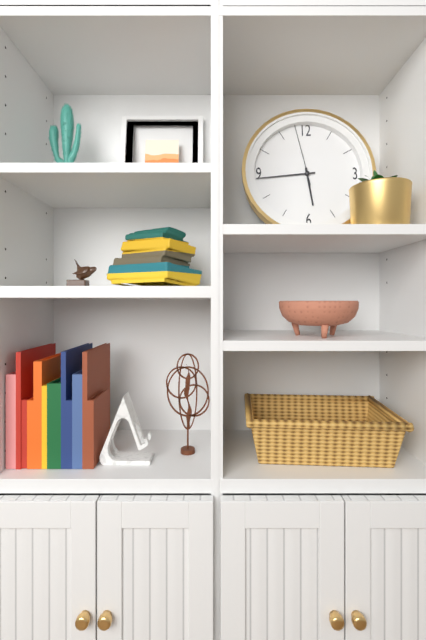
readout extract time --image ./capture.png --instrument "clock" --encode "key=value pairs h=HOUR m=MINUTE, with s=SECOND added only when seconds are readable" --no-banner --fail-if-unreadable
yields h=5 m=44 s=58
